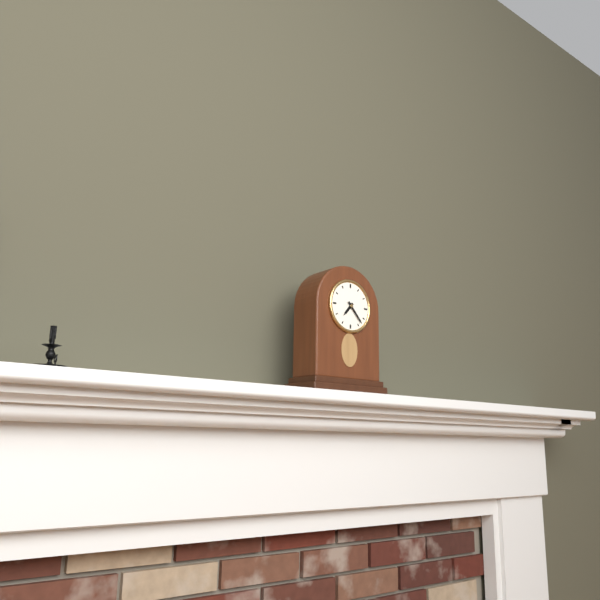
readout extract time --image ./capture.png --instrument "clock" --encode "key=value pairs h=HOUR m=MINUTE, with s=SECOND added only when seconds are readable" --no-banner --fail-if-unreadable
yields h=7 m=23
